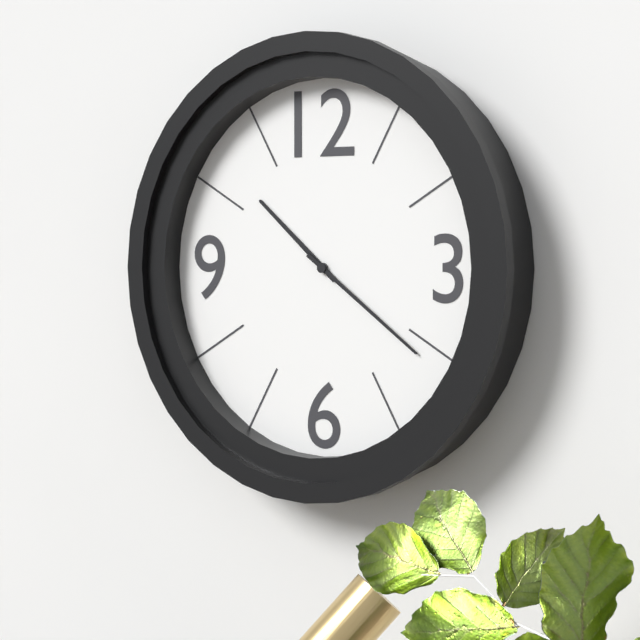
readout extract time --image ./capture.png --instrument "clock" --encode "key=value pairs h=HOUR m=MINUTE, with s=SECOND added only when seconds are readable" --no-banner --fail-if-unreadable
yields h=10 m=21
